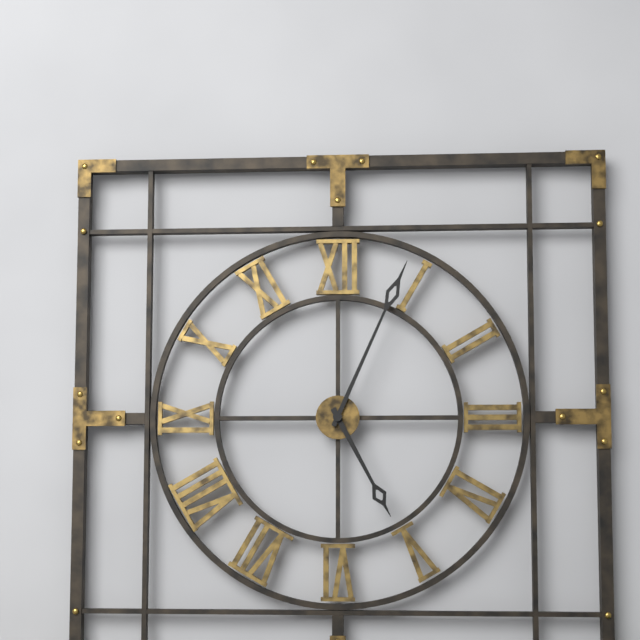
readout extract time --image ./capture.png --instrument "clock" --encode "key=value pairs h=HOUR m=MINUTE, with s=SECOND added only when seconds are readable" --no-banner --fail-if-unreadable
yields h=5 m=4
